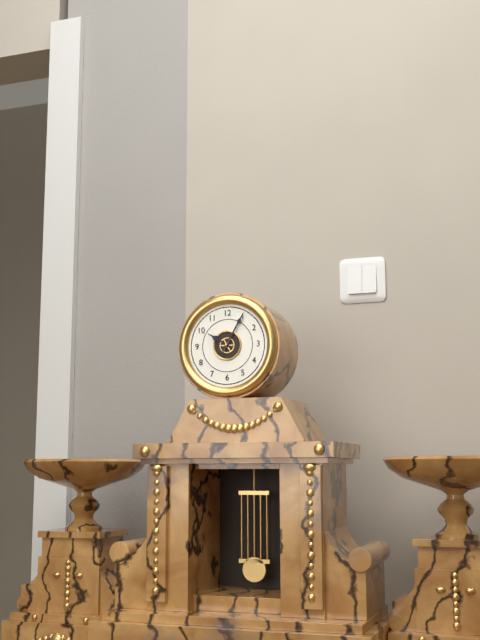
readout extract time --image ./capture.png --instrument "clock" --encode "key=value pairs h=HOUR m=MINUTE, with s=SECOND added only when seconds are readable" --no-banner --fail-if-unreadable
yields h=10 m=5
